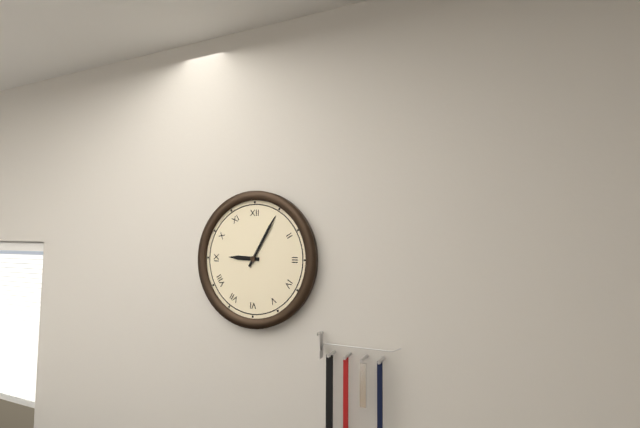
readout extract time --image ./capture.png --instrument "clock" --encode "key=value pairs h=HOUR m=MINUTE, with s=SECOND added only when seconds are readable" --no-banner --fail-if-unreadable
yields h=9 m=5
